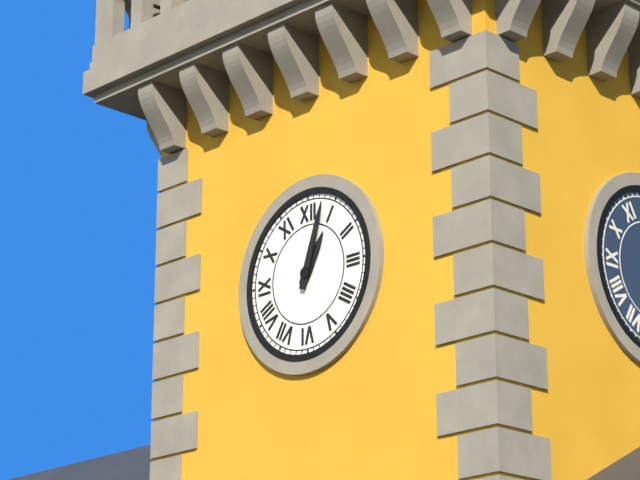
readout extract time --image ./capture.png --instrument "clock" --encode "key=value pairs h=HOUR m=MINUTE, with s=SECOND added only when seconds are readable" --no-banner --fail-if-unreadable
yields h=1 m=3
